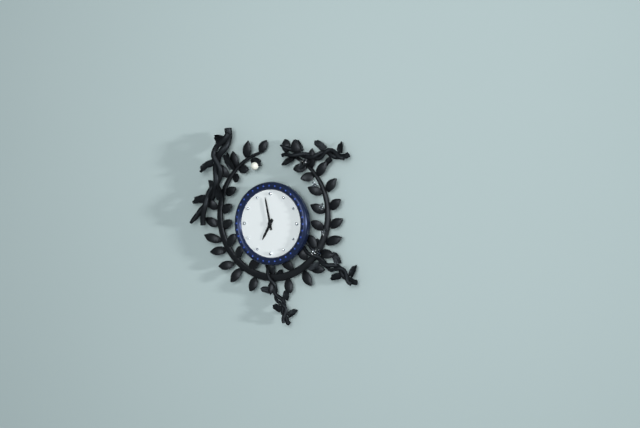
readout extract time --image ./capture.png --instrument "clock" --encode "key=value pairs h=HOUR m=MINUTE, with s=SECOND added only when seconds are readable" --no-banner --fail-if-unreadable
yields h=6 m=58
